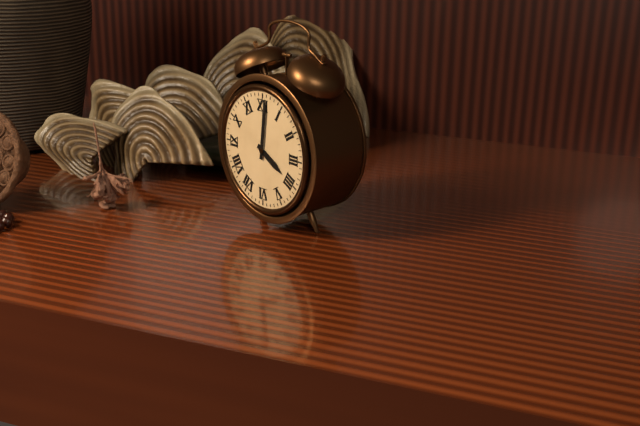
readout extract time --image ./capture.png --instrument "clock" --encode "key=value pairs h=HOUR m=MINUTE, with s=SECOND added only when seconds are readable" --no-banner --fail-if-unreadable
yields h=4 m=1
